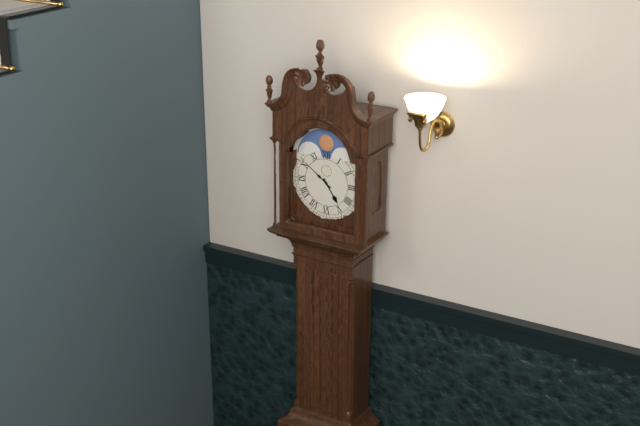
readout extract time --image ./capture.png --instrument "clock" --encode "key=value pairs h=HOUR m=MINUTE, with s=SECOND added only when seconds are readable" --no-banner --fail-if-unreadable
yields h=4 m=51
